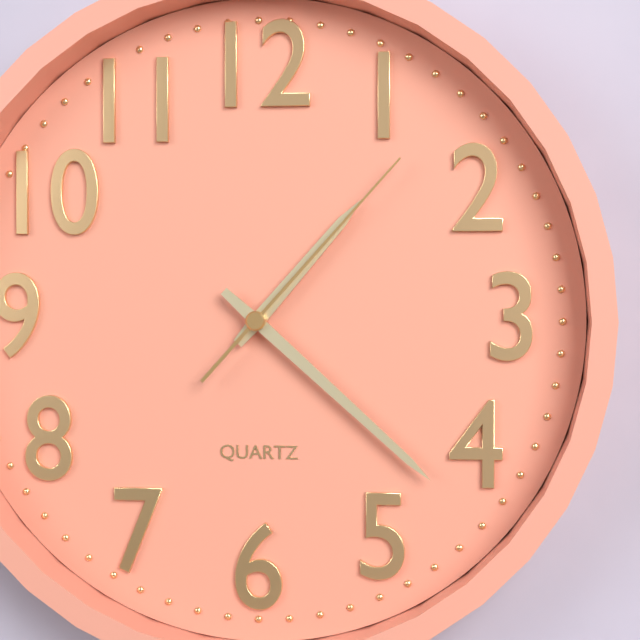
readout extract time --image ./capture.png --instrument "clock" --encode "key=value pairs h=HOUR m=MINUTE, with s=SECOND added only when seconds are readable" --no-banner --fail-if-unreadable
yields h=1 m=22 s=7
